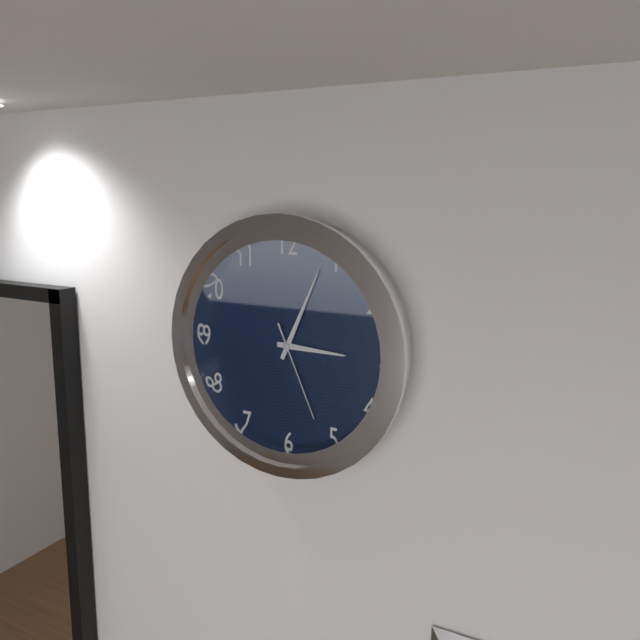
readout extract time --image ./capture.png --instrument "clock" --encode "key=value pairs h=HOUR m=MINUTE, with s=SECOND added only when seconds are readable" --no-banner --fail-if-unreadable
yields h=3 m=4 s=26
